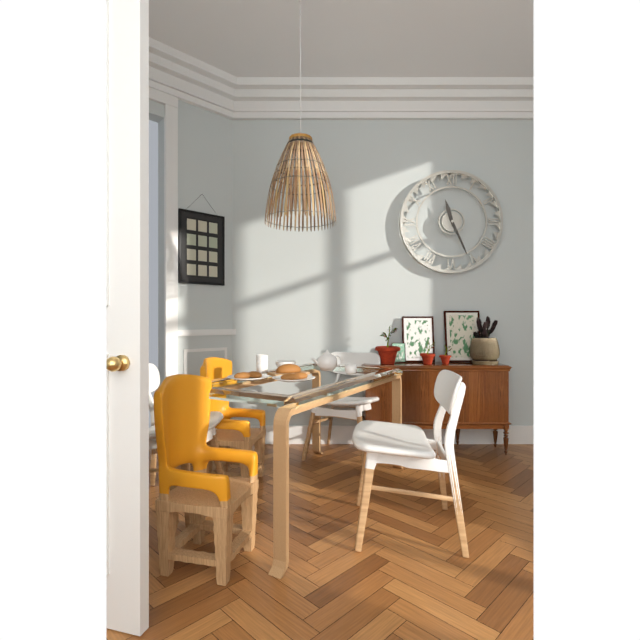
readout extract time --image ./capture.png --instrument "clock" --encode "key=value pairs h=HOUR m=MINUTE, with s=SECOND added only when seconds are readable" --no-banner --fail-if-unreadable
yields h=11 m=26
